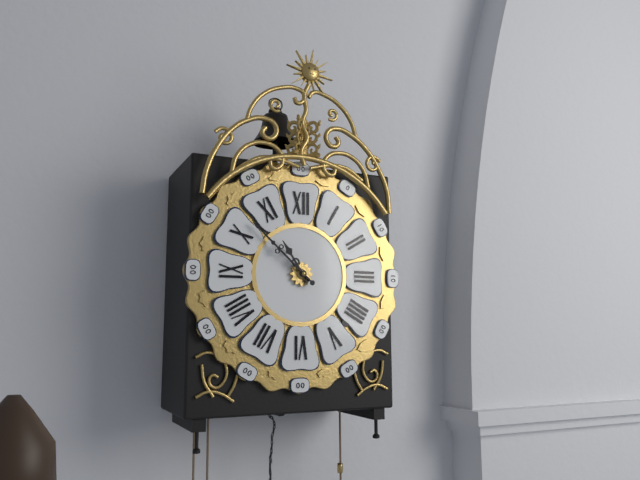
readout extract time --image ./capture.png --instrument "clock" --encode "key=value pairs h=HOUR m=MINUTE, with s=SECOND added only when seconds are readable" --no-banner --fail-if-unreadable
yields h=10 m=52
